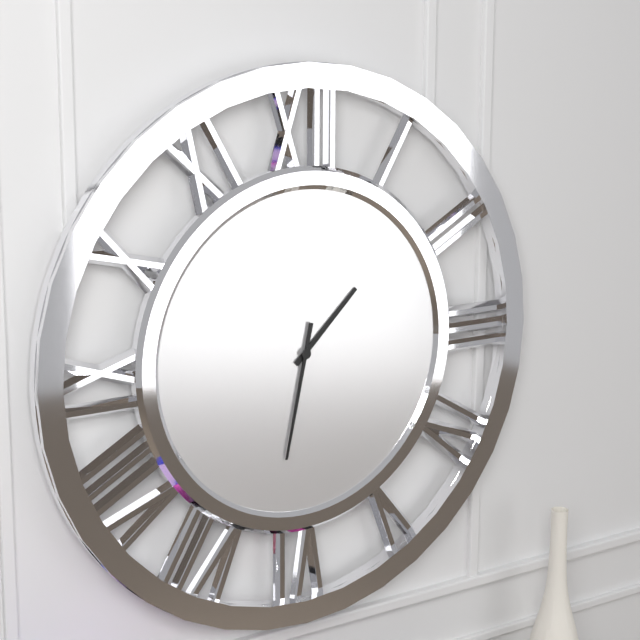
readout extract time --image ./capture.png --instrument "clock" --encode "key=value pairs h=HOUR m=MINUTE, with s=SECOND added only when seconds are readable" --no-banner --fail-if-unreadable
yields h=1 m=32
